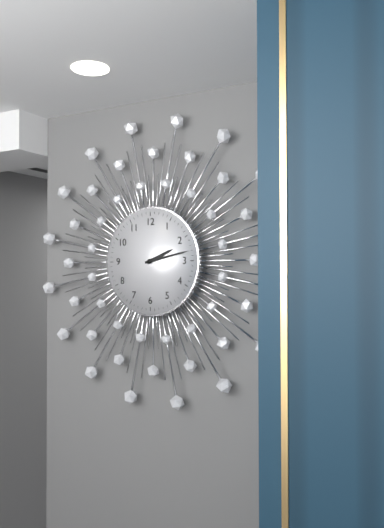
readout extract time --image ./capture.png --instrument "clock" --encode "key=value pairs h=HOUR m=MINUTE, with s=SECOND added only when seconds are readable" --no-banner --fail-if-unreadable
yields h=2 m=13
